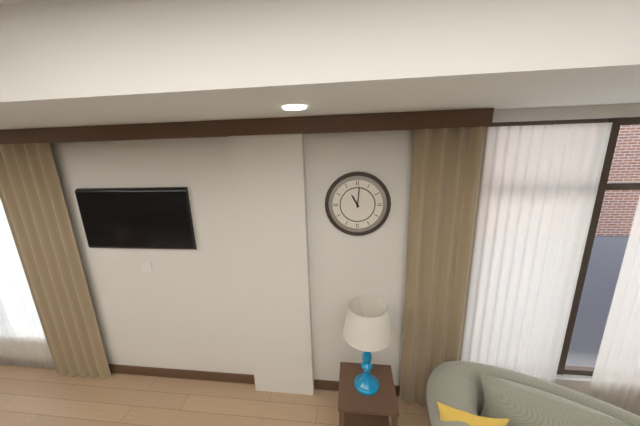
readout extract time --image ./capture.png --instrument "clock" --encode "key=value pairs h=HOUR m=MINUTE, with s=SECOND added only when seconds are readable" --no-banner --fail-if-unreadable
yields h=11 m=1
